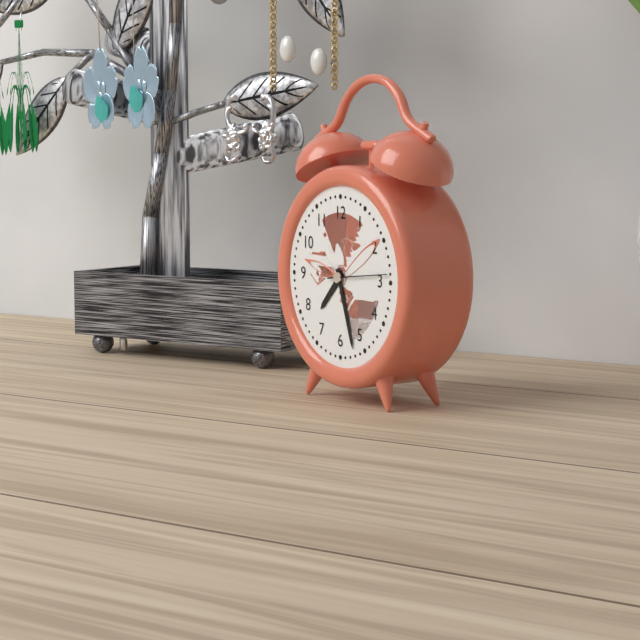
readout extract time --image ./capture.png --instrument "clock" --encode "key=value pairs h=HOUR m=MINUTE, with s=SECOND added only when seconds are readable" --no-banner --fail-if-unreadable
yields h=7 m=27 s=14
